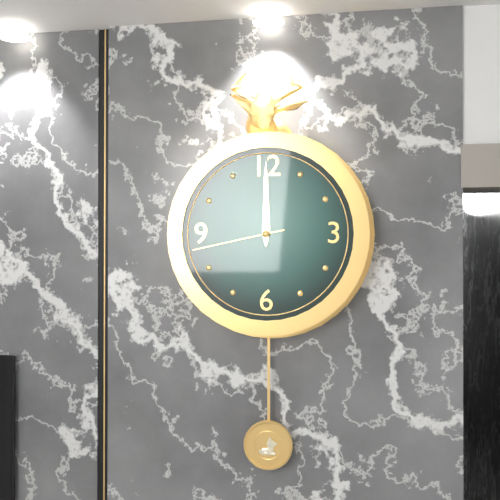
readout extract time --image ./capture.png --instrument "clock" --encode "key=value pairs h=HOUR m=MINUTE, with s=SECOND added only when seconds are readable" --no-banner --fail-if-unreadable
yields h=12 m=0 s=43
